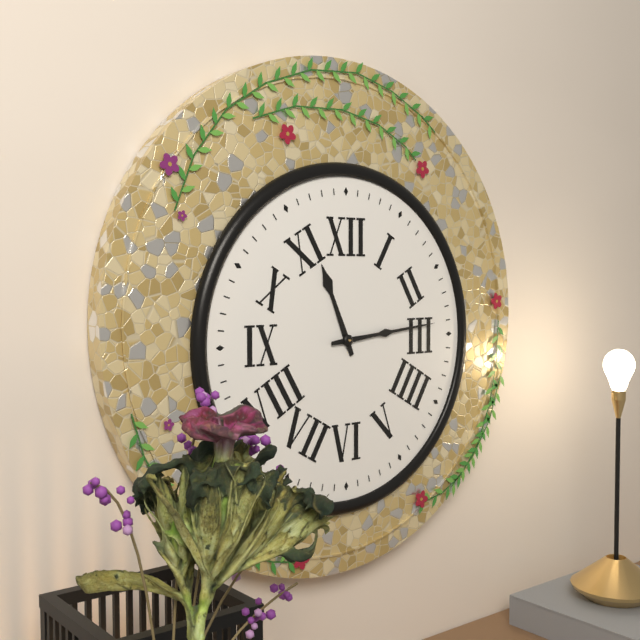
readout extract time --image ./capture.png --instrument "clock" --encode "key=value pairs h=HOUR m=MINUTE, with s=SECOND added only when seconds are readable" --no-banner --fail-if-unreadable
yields h=11 m=14
